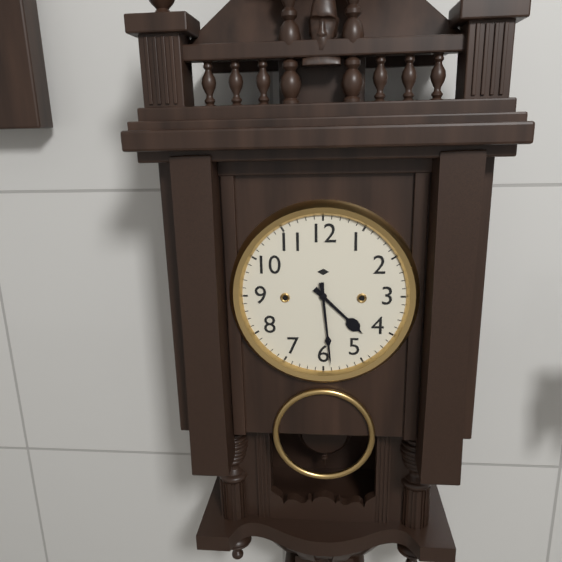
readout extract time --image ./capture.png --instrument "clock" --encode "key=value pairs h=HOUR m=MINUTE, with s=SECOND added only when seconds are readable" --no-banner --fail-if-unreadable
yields h=4 m=29
